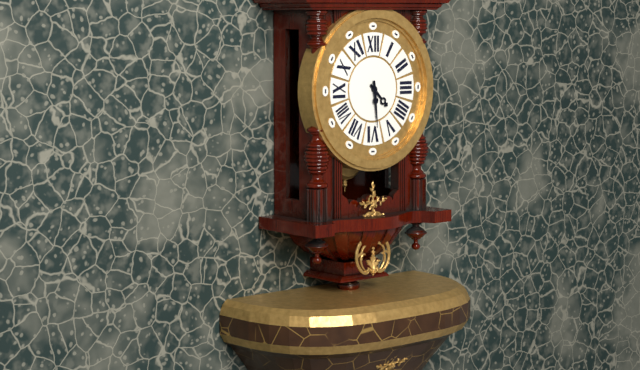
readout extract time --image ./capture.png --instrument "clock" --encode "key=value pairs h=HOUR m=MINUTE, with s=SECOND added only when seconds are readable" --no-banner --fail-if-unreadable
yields h=4 m=29
